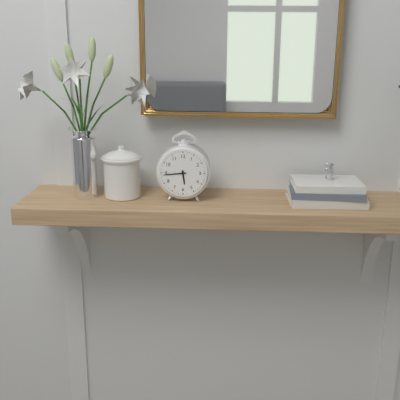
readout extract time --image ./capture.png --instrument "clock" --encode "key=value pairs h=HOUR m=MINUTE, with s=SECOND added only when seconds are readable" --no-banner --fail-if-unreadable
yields h=5 m=44
